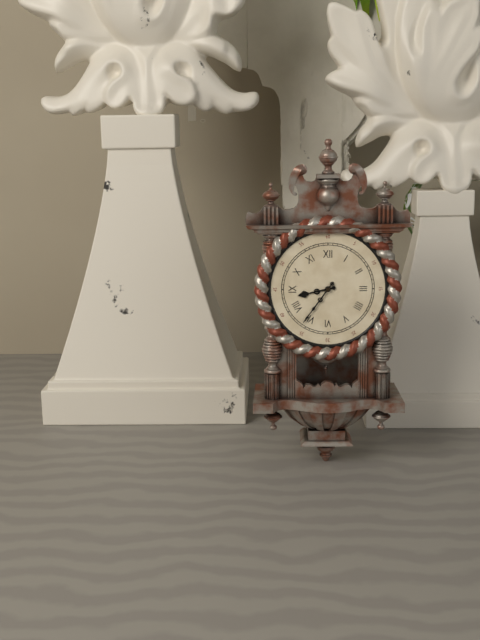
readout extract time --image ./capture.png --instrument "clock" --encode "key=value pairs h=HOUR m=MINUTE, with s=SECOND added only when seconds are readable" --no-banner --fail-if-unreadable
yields h=8 m=36
